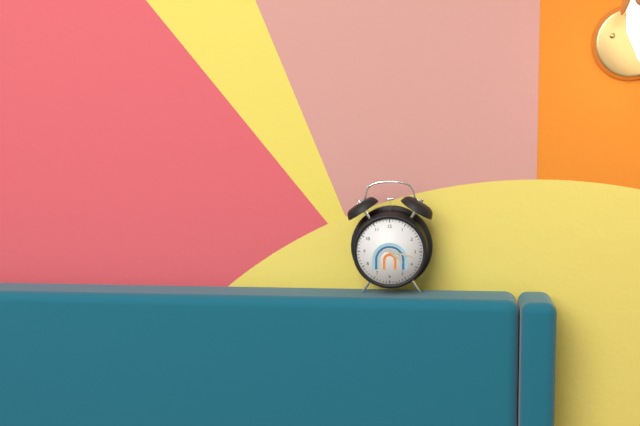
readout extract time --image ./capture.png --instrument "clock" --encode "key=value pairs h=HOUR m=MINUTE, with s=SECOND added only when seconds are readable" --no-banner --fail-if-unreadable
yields h=4 m=17
